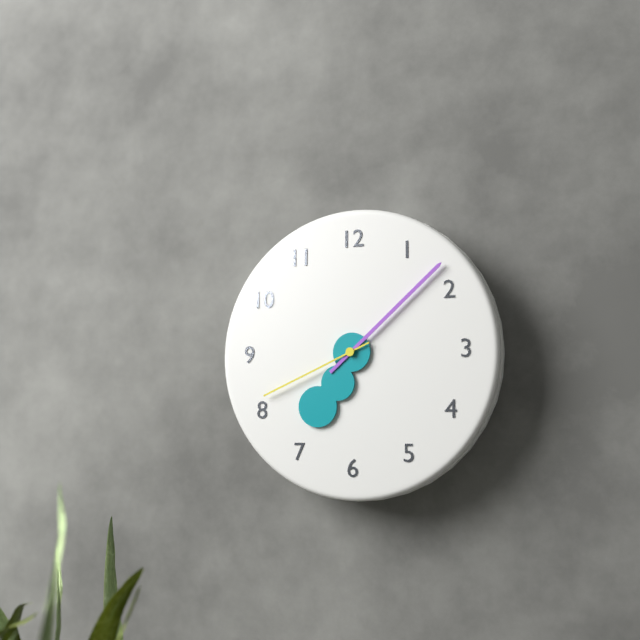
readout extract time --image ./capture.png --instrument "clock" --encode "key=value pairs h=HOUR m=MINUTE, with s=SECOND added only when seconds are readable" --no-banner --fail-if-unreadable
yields h=7 m=8 s=41
